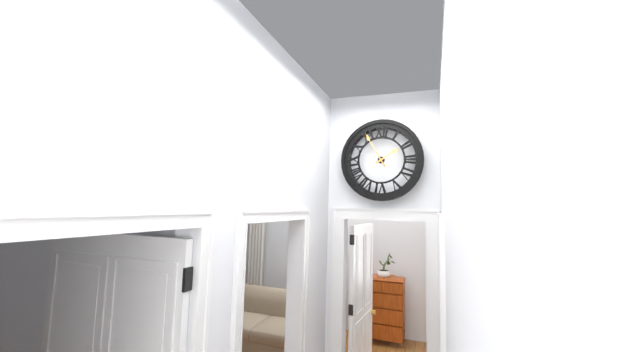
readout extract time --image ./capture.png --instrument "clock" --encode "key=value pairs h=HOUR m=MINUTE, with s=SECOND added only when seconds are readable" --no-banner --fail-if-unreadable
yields h=1 m=55
